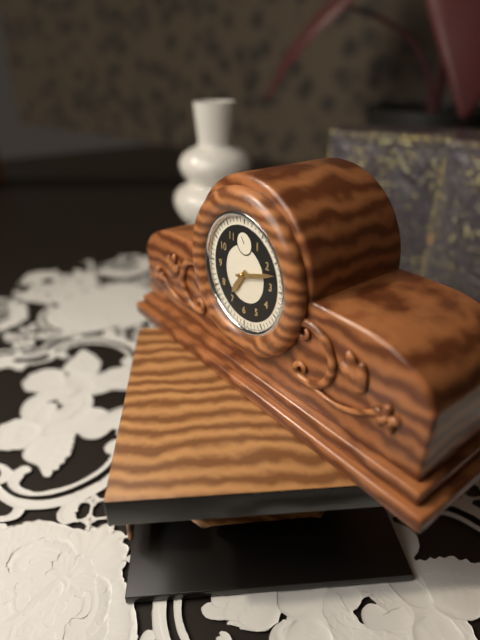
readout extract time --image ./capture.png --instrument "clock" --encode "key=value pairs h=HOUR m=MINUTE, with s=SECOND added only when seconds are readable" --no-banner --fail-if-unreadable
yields h=7 m=12
